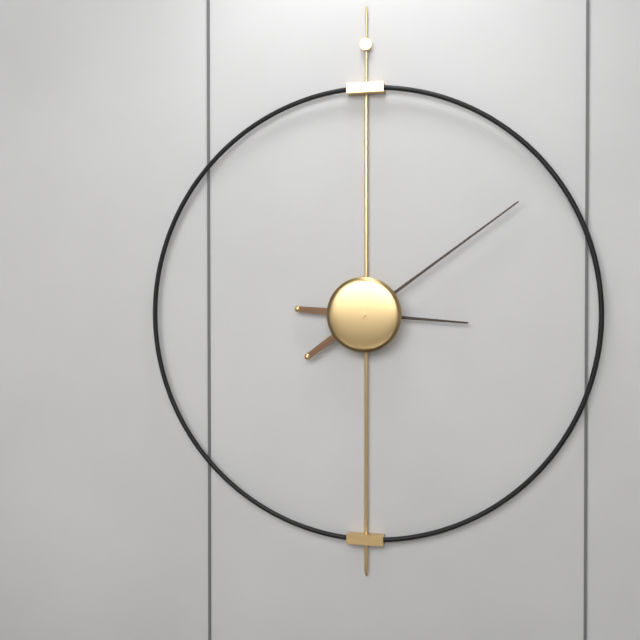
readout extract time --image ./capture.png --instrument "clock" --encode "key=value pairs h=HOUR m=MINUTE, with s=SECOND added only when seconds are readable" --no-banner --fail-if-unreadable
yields h=3 m=9
